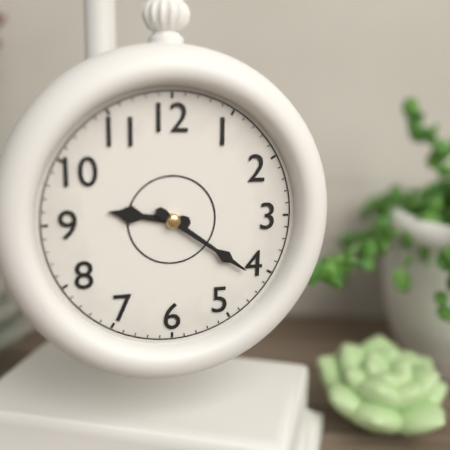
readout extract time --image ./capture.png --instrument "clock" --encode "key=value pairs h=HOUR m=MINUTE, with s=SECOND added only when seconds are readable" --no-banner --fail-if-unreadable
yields h=9 m=21
